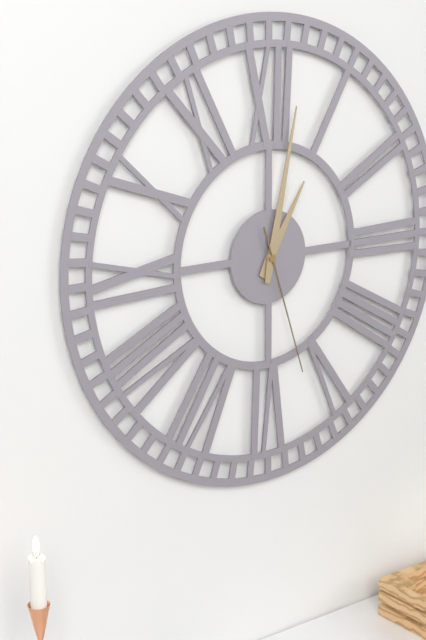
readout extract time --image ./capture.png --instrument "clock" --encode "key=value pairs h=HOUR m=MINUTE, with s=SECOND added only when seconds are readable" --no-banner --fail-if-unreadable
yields h=1 m=2 s=27
